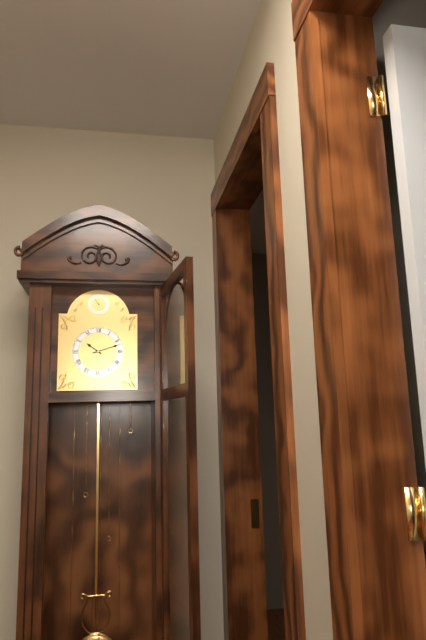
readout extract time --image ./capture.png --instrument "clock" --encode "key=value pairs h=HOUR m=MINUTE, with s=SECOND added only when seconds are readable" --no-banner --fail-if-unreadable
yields h=10 m=12
